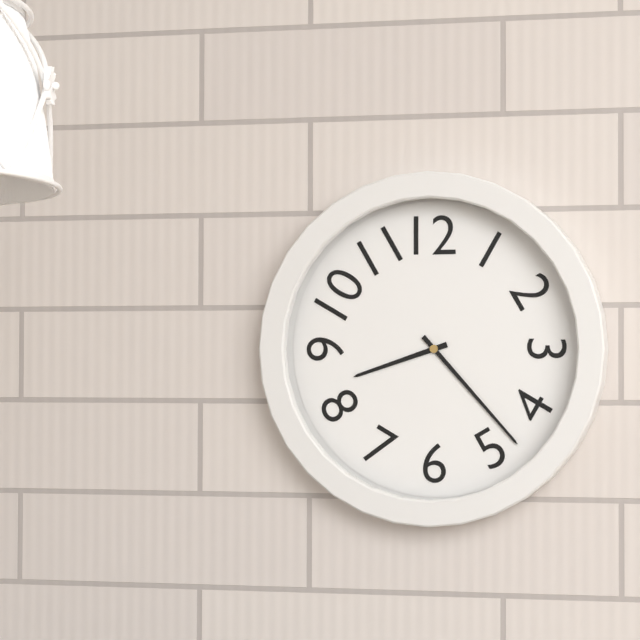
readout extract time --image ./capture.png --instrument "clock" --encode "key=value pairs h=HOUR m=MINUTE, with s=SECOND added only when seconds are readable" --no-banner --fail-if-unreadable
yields h=8 m=23
